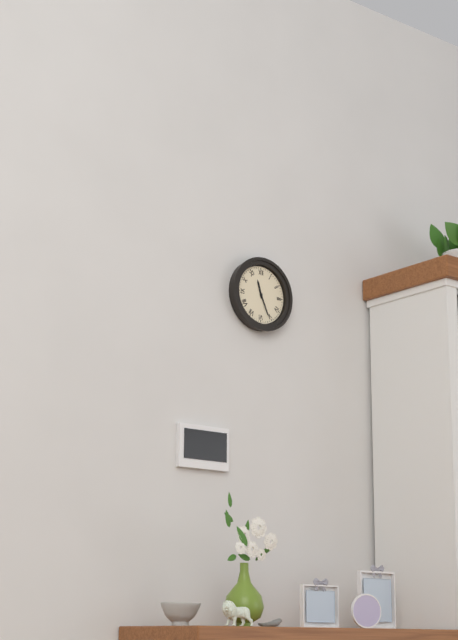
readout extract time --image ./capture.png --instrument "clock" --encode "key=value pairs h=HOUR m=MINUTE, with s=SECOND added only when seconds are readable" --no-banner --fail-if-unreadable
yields h=11 m=26
